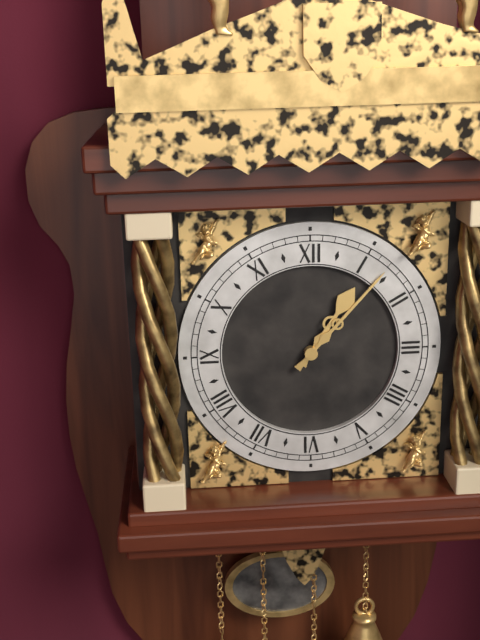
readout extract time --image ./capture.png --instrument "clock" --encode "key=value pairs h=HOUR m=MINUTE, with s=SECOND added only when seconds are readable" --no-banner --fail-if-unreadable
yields h=1 m=7
